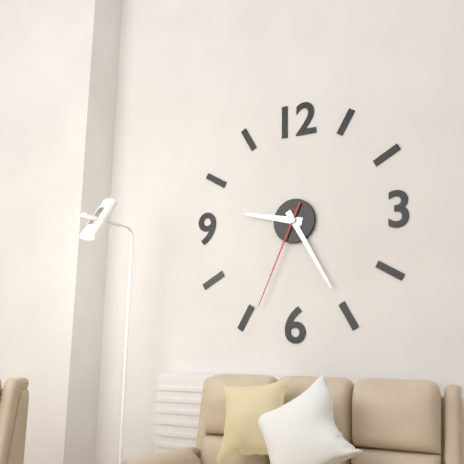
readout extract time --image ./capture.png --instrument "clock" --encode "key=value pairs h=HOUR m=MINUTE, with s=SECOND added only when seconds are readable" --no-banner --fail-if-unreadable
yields h=9 m=25 s=34
